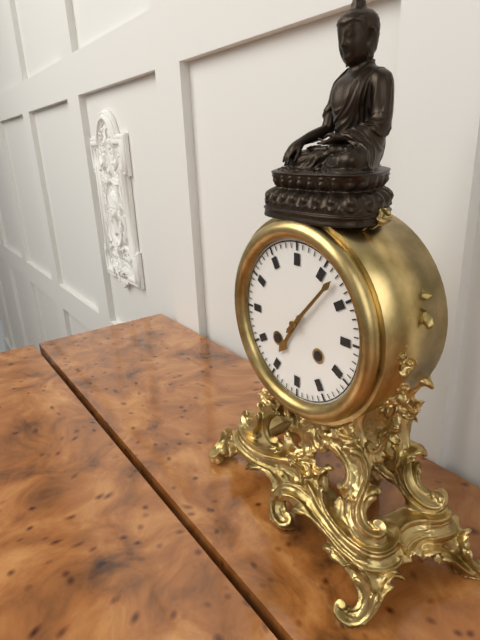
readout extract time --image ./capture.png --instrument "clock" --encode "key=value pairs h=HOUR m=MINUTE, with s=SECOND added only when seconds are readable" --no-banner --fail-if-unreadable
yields h=7 m=7
